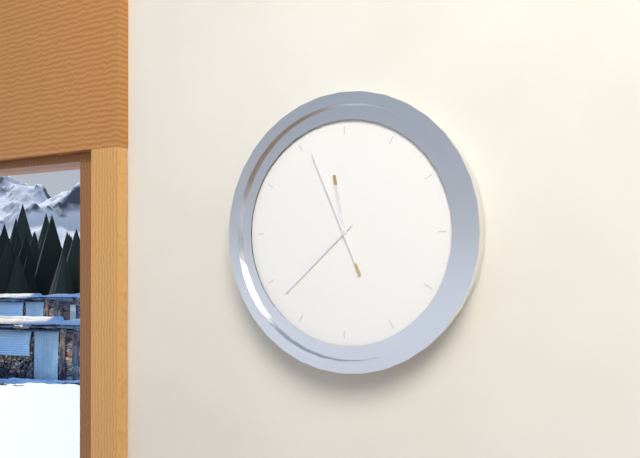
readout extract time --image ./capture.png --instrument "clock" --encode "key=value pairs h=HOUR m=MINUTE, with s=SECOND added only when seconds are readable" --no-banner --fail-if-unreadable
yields h=11 m=38 s=56
